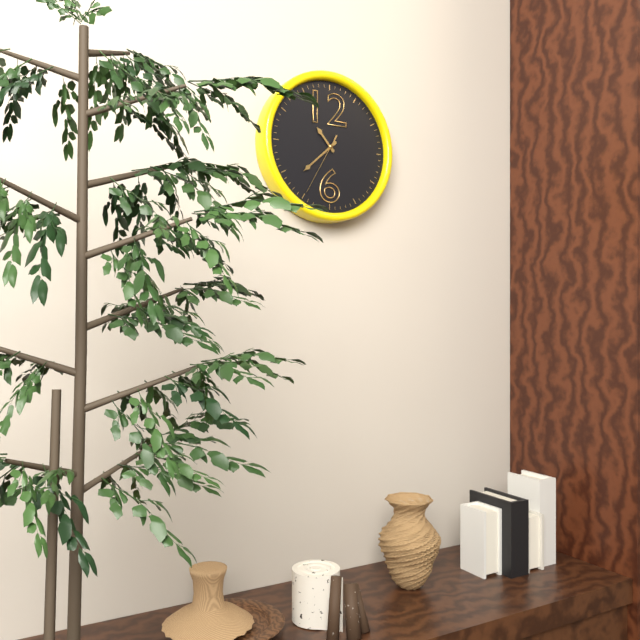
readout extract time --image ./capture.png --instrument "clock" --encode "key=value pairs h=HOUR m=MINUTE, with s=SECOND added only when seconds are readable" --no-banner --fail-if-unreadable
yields h=10 m=38 s=35
